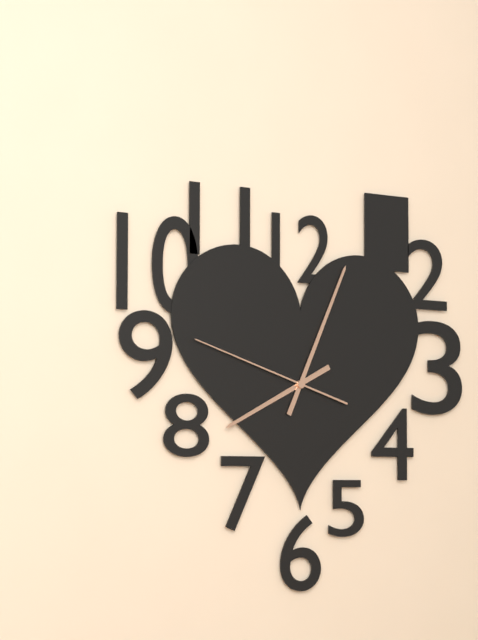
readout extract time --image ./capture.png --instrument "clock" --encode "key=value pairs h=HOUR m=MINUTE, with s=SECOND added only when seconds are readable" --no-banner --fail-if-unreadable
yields h=8 m=4 s=48
